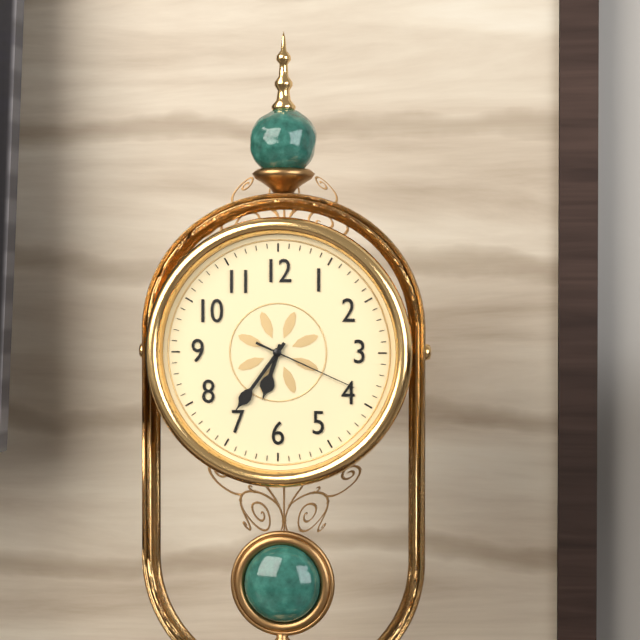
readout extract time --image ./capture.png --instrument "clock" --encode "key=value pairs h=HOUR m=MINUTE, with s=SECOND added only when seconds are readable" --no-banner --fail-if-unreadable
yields h=6 m=36 s=19
